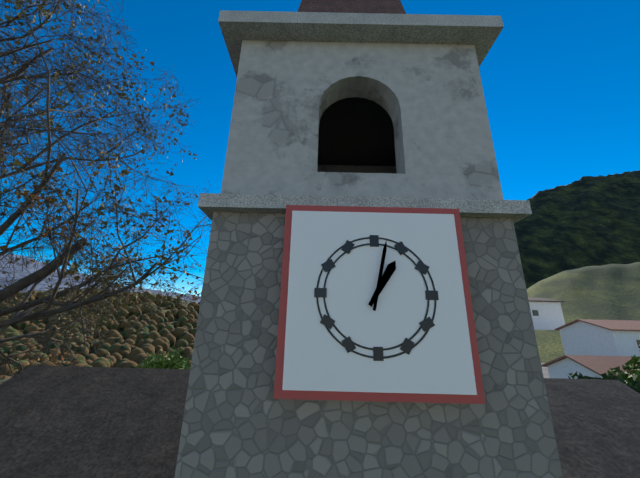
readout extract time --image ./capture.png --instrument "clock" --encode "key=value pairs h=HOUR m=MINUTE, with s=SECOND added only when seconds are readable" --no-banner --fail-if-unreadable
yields h=1 m=2
